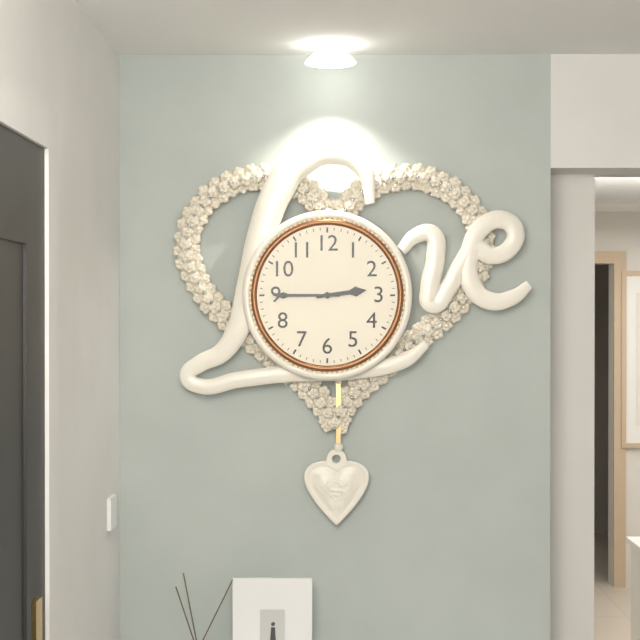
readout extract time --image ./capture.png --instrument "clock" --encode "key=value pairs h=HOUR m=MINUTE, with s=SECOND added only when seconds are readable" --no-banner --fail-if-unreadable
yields h=2 m=45
